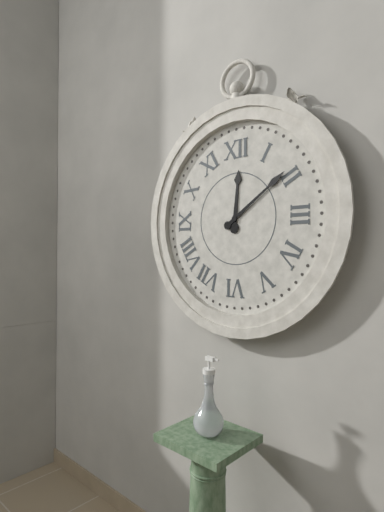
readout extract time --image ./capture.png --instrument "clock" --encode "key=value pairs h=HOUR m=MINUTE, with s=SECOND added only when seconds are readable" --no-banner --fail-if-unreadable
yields h=12 m=9
